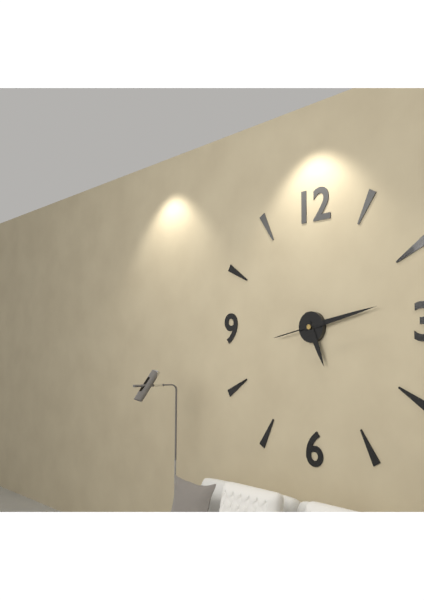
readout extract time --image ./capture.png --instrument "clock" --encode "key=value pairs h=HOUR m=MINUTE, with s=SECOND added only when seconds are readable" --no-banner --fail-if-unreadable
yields h=5 m=13 s=43
